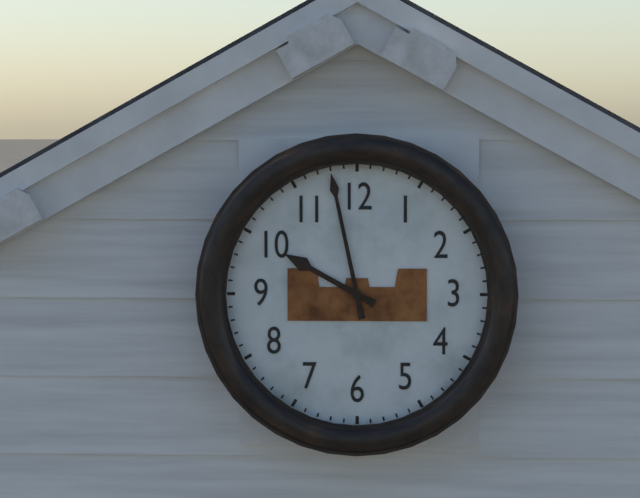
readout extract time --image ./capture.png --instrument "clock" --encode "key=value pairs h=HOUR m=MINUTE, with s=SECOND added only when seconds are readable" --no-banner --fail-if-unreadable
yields h=9 m=58
